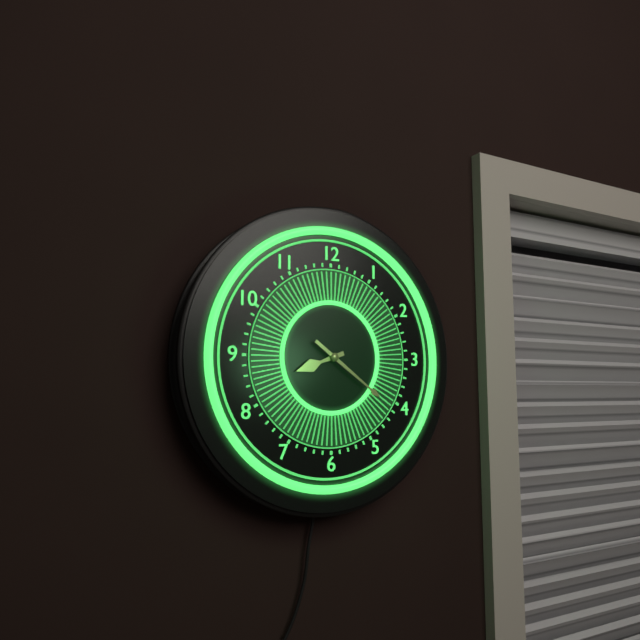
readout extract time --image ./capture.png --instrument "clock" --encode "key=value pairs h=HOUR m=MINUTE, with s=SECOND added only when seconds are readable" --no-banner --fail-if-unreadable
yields h=8 m=21
